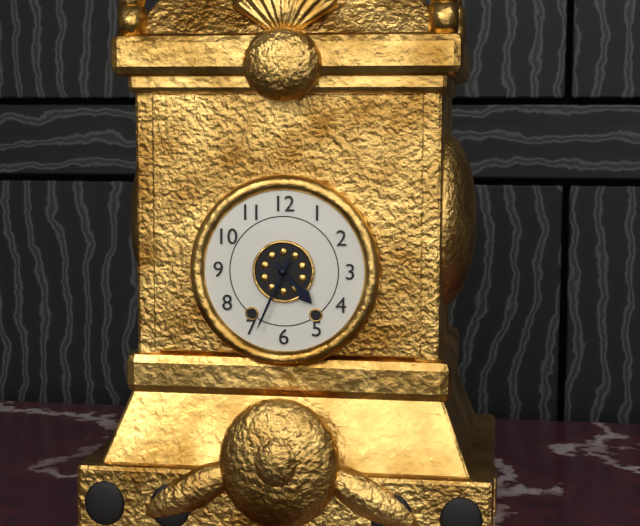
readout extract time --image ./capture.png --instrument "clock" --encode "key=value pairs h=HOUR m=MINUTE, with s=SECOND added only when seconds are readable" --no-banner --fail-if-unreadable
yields h=4 m=34
